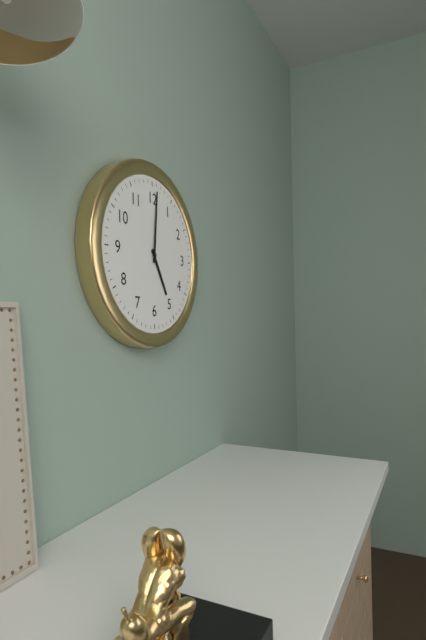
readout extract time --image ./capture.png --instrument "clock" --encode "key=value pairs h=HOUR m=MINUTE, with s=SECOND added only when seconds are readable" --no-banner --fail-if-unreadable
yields h=5 m=1
